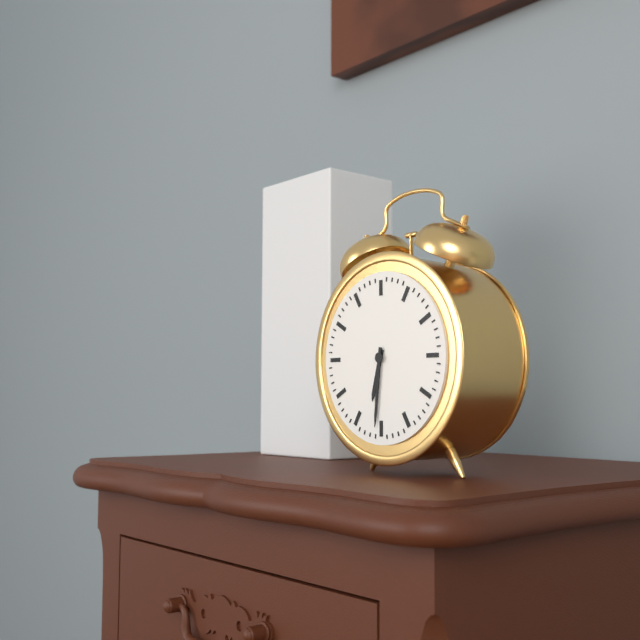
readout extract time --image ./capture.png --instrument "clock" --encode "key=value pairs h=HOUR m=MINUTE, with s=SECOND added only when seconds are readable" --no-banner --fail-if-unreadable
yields h=6 m=31
